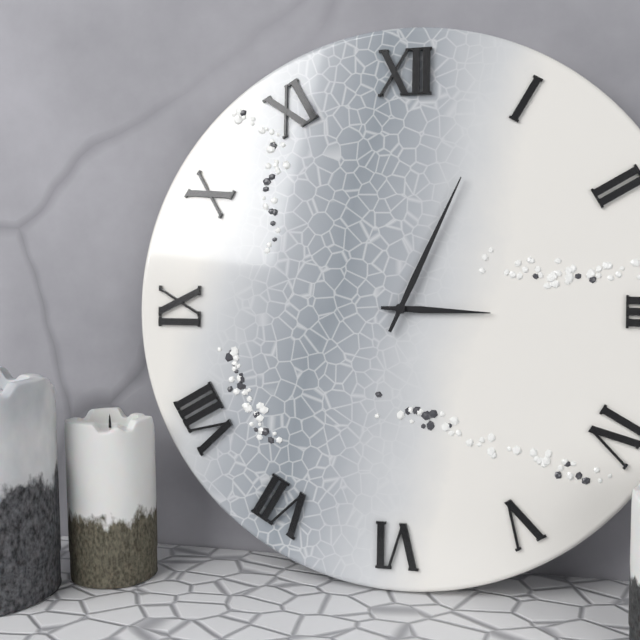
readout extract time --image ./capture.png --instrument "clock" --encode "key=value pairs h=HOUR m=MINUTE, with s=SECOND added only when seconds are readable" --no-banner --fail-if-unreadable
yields h=3 m=4
